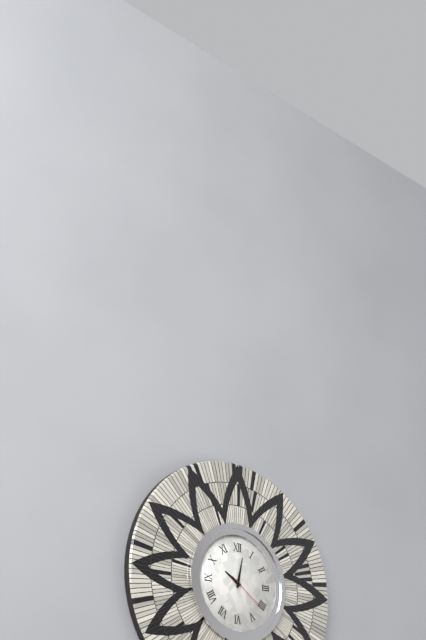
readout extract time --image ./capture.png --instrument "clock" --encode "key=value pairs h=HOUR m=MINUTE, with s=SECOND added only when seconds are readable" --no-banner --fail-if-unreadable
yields h=10 m=2
